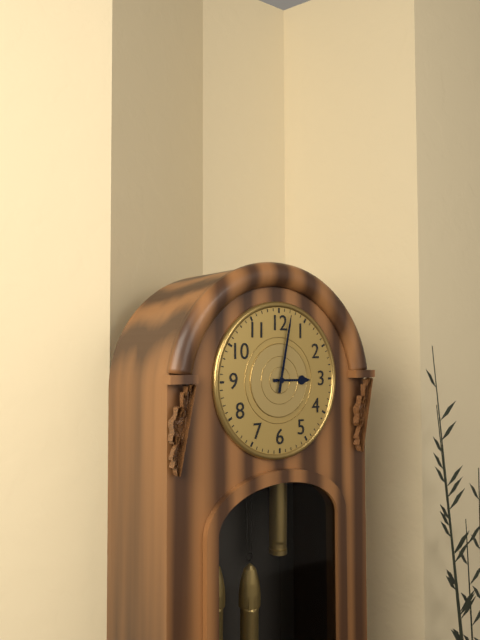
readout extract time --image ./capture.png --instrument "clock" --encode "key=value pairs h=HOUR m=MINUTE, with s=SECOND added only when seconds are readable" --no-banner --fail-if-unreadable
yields h=3 m=2
